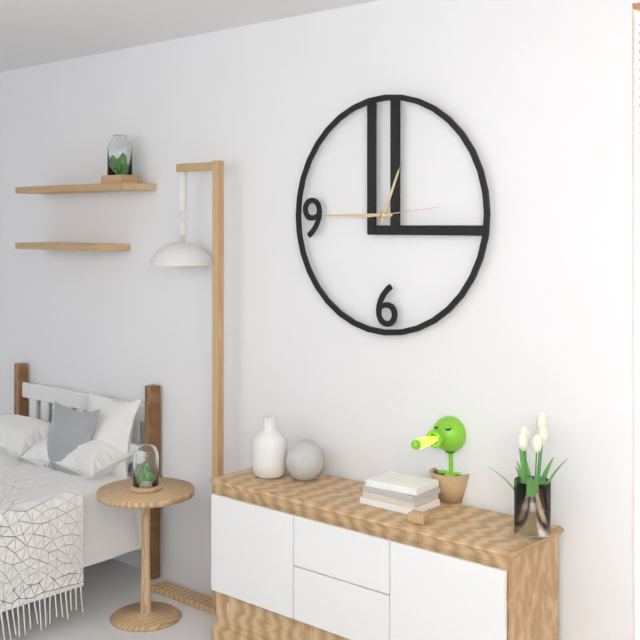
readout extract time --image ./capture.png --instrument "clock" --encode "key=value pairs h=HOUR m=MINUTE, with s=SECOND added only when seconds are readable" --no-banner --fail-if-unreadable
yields h=12 m=45 s=14
